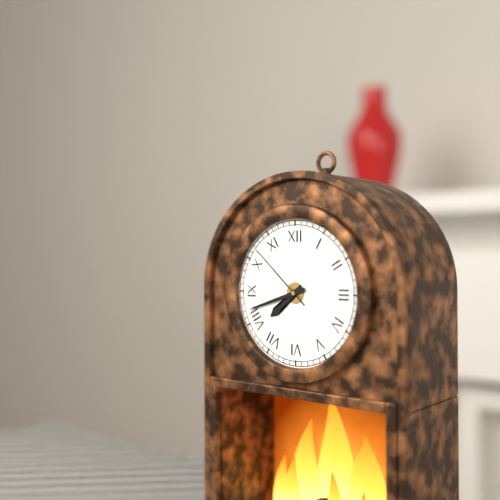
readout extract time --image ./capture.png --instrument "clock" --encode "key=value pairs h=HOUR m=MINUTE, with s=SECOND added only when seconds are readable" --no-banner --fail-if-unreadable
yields h=7 m=42 s=52
